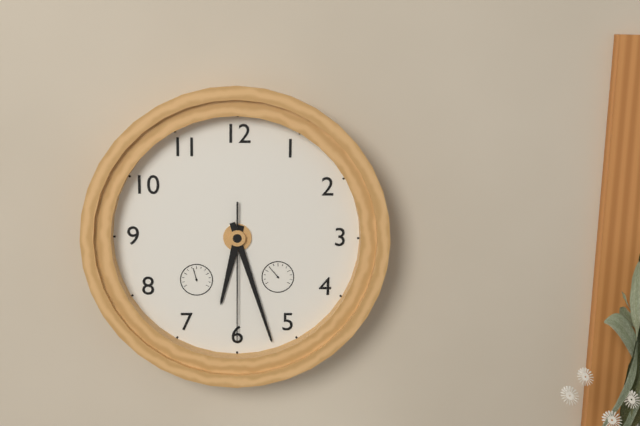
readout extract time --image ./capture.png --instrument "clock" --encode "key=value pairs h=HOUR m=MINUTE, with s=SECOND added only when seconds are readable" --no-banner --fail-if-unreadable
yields h=6 m=27 s=30
